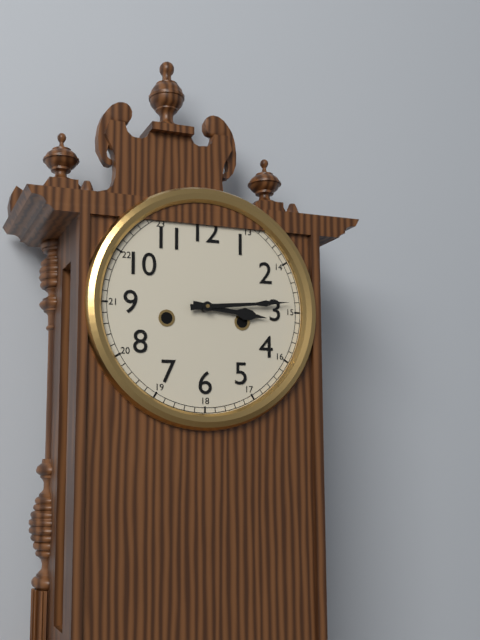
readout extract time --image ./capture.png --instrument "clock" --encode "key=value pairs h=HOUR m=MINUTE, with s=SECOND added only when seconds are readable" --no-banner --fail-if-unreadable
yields h=3 m=14
